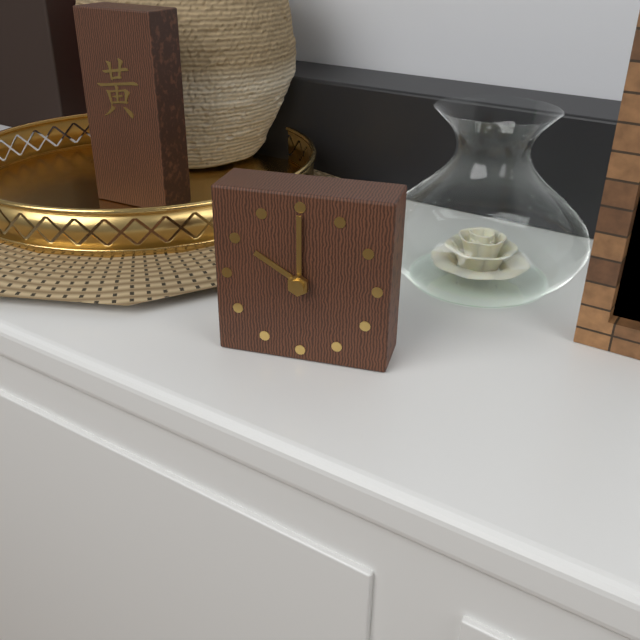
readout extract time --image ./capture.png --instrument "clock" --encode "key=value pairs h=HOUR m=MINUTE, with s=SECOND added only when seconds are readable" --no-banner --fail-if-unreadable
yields h=10 m=0
